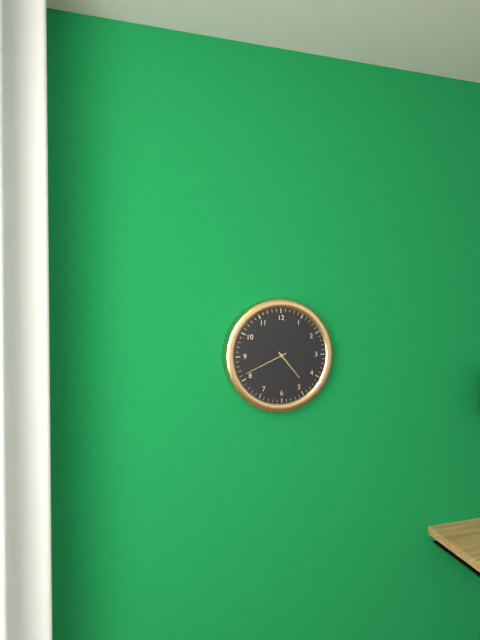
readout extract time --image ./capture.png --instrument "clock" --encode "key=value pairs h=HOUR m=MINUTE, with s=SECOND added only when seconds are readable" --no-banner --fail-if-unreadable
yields h=4 m=41
